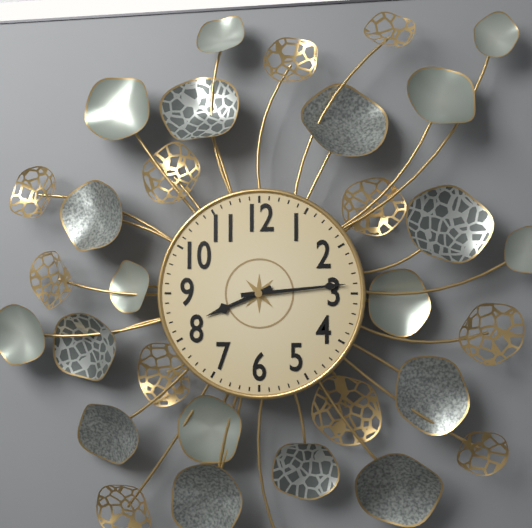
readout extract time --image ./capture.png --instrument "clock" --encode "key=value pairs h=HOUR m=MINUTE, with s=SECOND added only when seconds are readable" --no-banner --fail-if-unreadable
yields h=8 m=14
